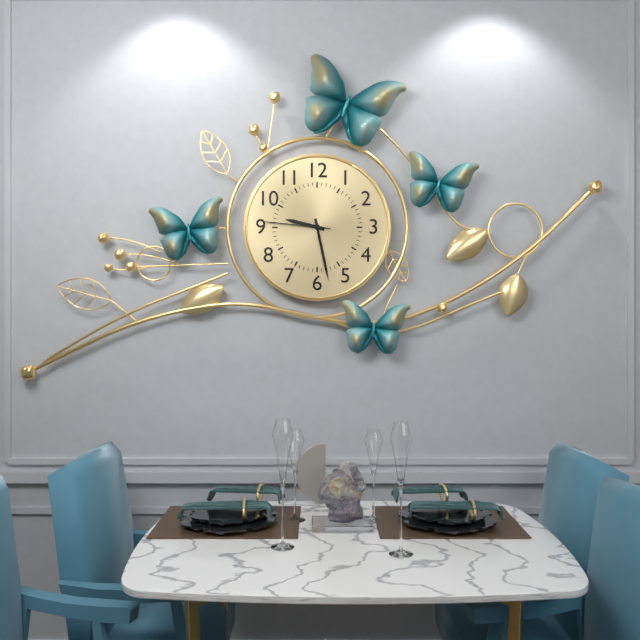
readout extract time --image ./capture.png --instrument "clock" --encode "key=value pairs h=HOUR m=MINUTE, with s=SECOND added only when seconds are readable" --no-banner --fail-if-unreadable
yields h=9 m=28 s=46
